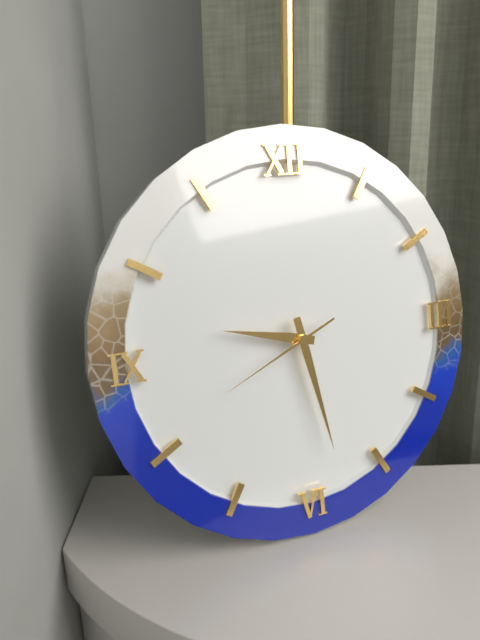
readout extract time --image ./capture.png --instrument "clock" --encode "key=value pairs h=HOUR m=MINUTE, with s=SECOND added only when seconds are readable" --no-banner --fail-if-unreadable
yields h=9 m=28 s=41
